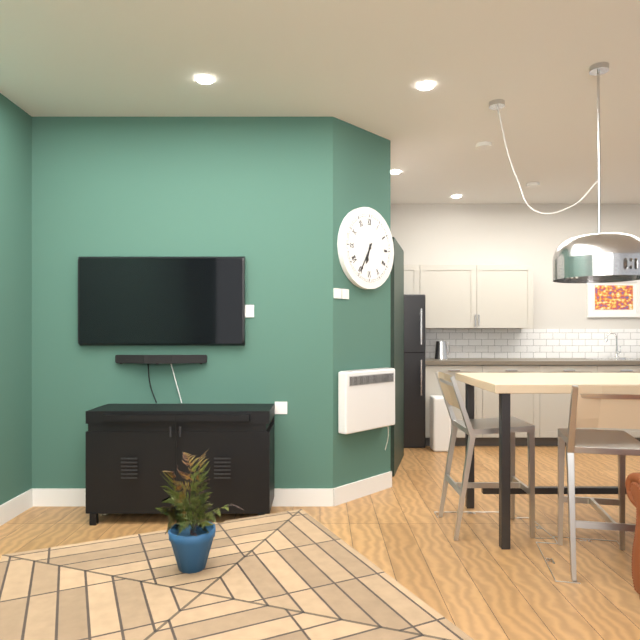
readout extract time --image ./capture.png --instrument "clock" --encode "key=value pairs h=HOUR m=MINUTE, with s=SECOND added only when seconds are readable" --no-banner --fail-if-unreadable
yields h=6 m=35
